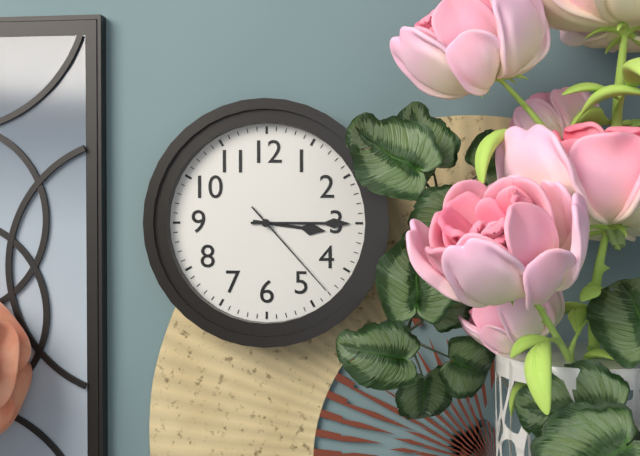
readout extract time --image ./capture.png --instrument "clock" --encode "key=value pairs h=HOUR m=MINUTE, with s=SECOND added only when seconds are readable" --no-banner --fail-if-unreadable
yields h=3 m=15 s=23
